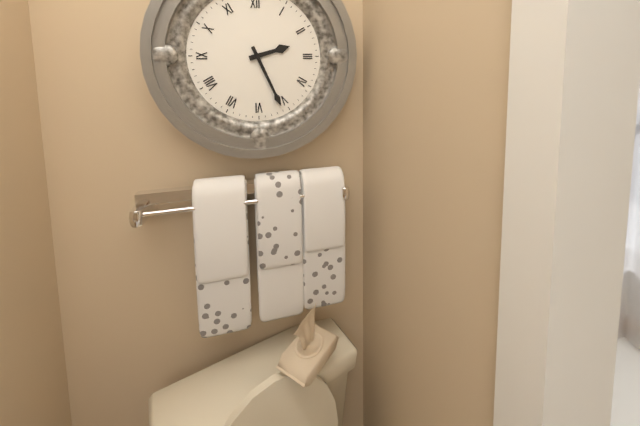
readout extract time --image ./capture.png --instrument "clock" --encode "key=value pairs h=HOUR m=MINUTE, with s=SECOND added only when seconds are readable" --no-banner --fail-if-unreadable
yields h=2 m=26
